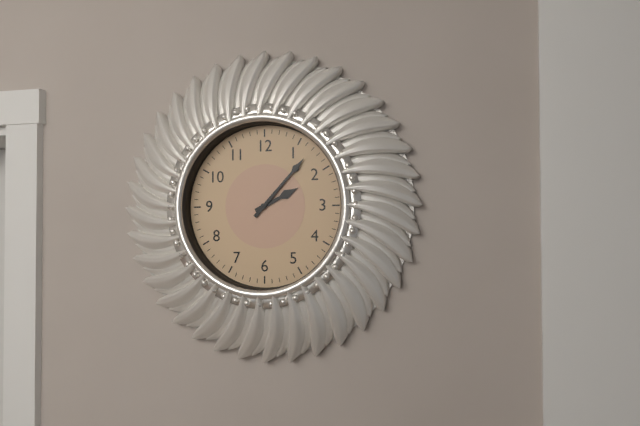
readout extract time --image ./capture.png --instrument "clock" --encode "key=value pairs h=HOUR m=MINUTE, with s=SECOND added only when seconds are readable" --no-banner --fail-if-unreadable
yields h=2 m=7
